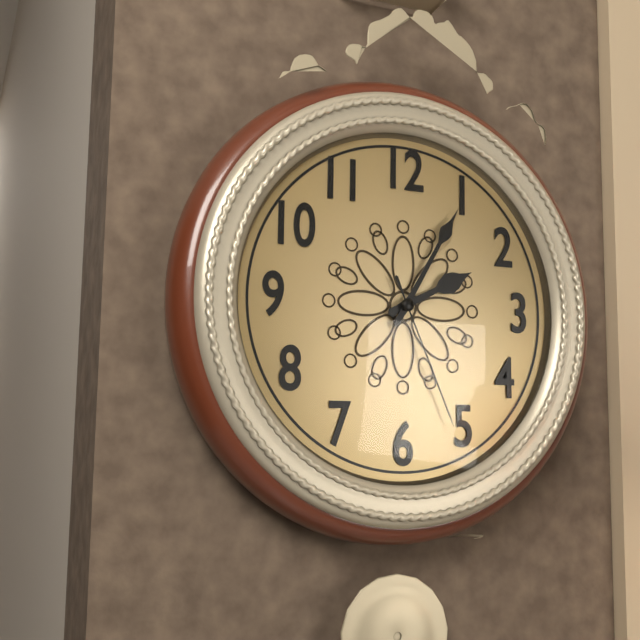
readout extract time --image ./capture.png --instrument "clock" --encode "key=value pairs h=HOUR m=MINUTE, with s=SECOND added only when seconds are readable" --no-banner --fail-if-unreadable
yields h=2 m=5 s=26
